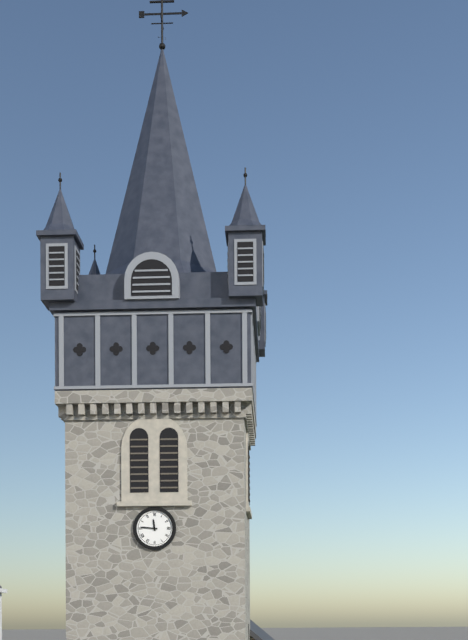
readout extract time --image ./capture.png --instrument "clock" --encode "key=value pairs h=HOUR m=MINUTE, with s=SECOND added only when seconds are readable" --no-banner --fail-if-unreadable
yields h=11 m=46
